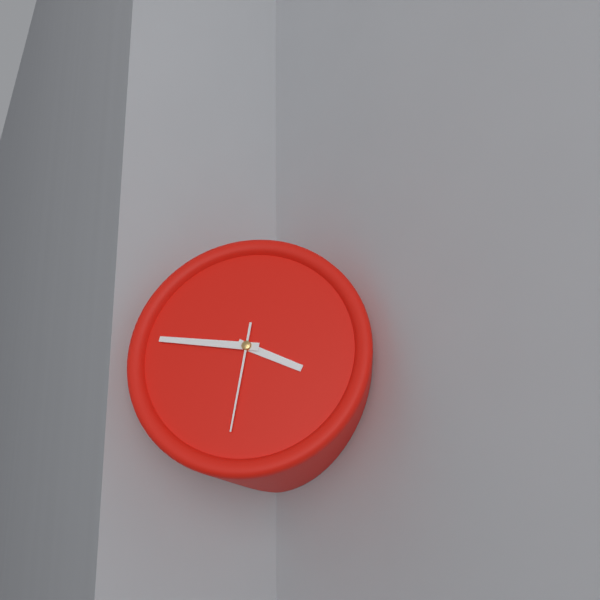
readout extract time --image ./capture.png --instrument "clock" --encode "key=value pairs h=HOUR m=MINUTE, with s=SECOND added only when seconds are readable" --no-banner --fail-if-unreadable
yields h=3 m=46 s=31
